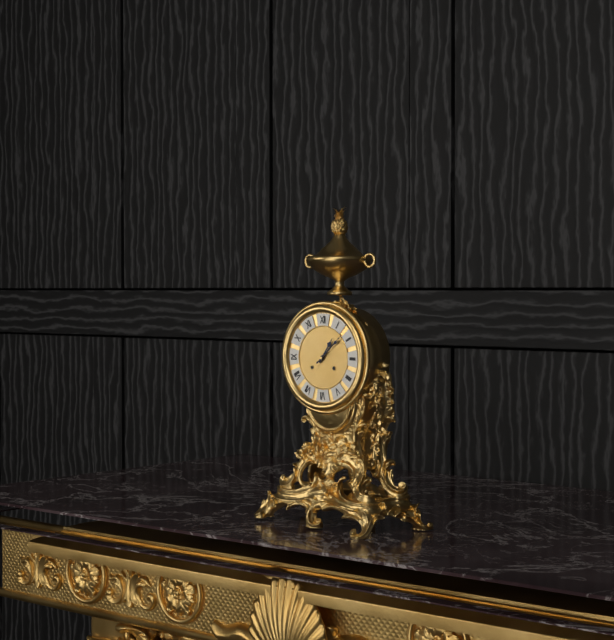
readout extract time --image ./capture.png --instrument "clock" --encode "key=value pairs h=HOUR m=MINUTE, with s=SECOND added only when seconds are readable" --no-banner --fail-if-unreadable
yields h=1 m=8
